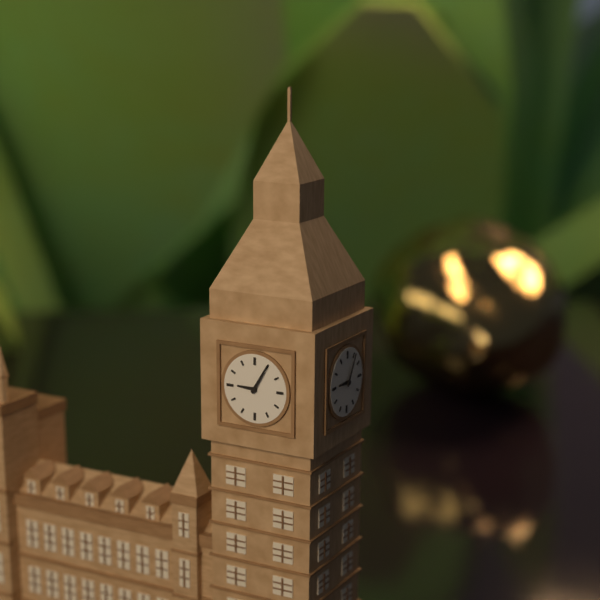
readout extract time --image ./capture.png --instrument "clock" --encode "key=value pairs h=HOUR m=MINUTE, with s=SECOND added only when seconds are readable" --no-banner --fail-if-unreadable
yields h=9 m=5
